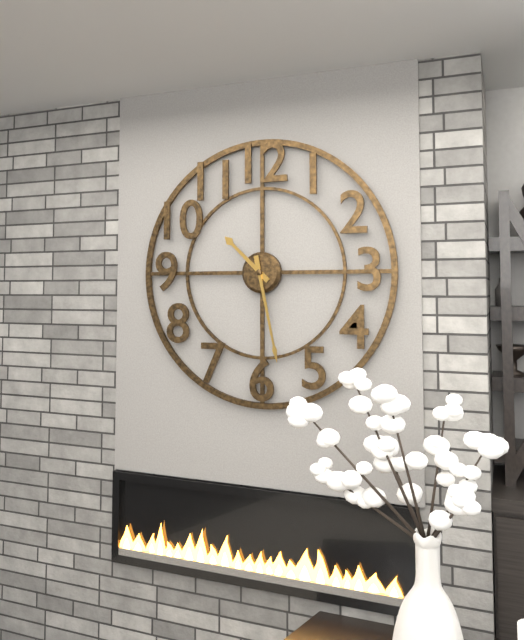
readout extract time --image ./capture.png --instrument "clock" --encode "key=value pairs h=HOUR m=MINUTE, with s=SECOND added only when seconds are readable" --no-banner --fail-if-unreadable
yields h=10 m=28
